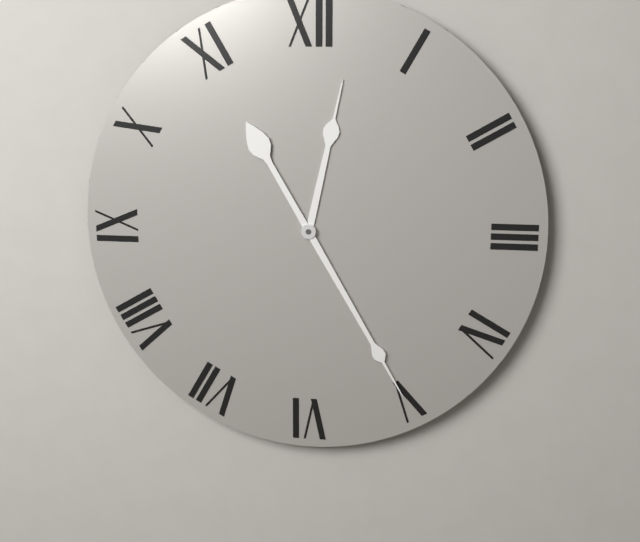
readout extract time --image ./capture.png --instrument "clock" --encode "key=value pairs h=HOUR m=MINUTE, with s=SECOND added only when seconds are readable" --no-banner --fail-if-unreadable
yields h=12 m=25
